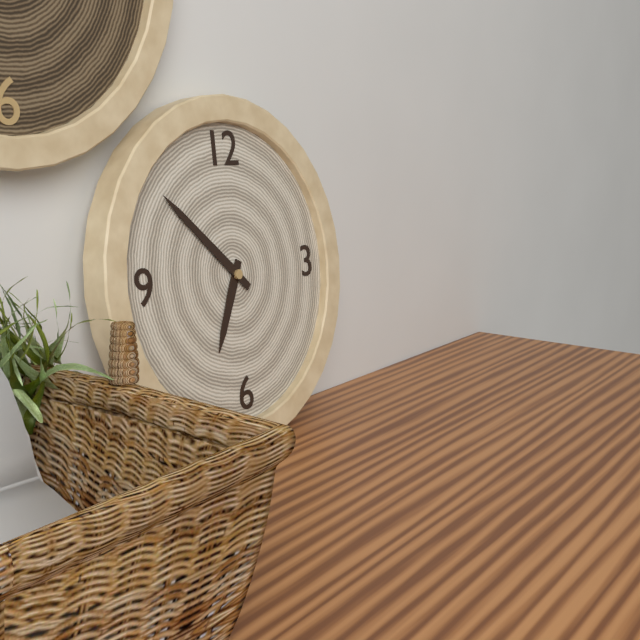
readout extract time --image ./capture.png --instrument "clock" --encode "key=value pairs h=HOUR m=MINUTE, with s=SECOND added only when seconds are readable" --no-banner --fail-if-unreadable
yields h=6 m=52
